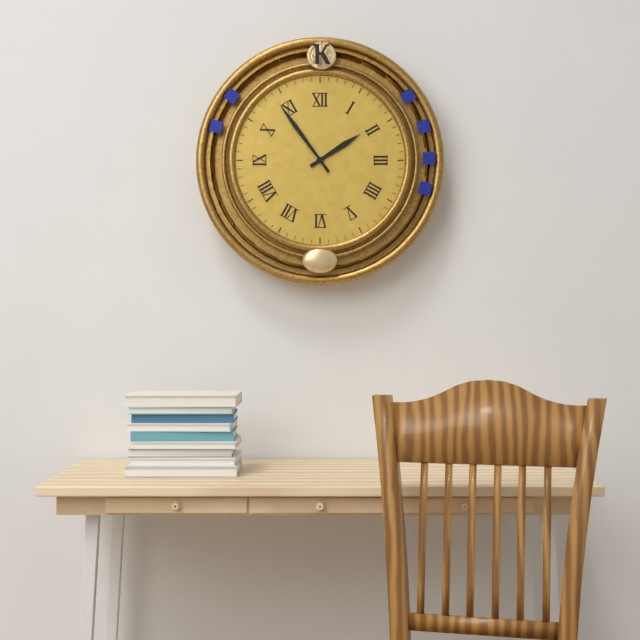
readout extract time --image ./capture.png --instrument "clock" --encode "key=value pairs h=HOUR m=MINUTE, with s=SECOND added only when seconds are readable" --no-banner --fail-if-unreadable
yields h=1 m=54
